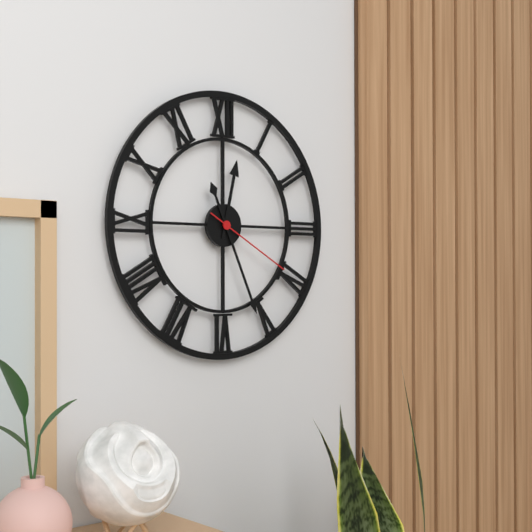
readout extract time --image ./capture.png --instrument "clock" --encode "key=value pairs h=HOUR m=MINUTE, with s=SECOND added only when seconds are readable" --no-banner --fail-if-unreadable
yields h=12 m=26 s=20
